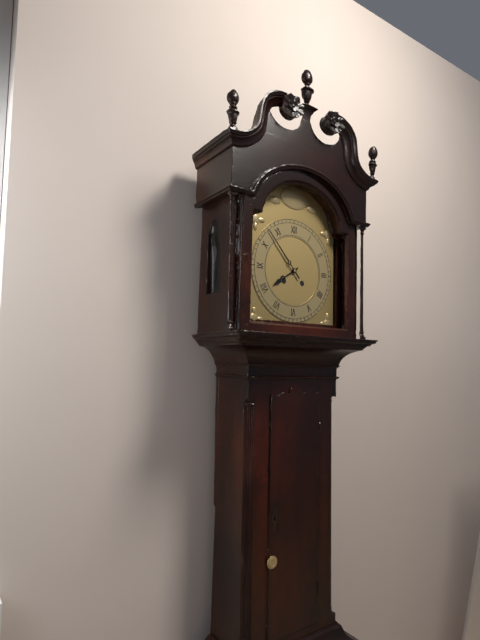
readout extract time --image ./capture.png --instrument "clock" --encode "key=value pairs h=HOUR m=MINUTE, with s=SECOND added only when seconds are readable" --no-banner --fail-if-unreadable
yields h=7 m=53
